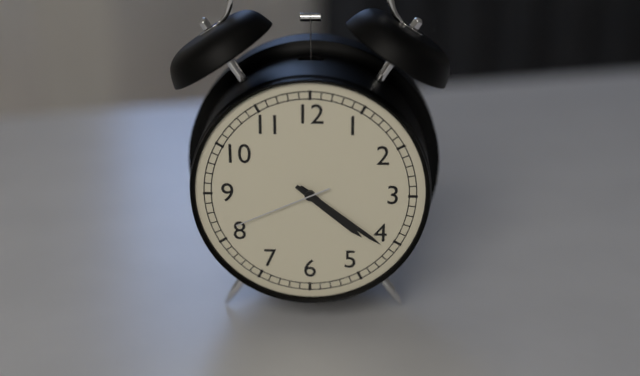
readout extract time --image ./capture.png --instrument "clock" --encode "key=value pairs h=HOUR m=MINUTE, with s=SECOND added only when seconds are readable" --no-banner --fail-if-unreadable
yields h=4 m=21 s=41
